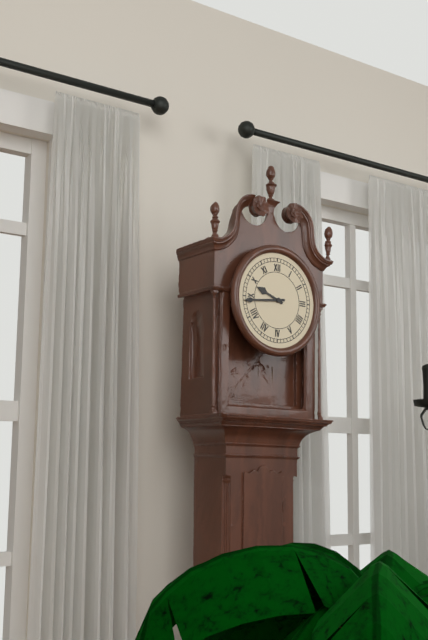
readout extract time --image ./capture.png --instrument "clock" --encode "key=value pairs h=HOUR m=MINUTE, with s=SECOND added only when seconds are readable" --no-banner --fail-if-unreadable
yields h=9 m=44
